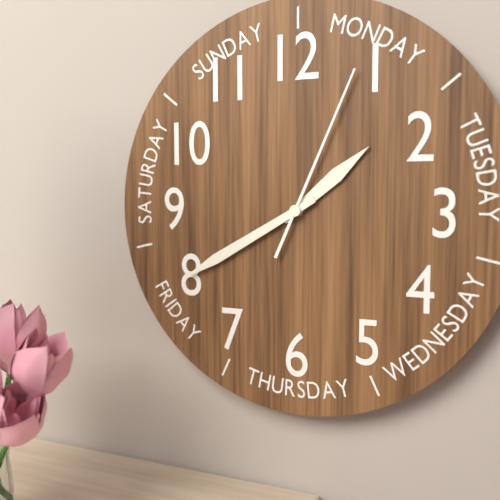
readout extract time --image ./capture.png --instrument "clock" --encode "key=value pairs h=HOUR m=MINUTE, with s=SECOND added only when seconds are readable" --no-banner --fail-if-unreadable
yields h=1 m=40 s=4
